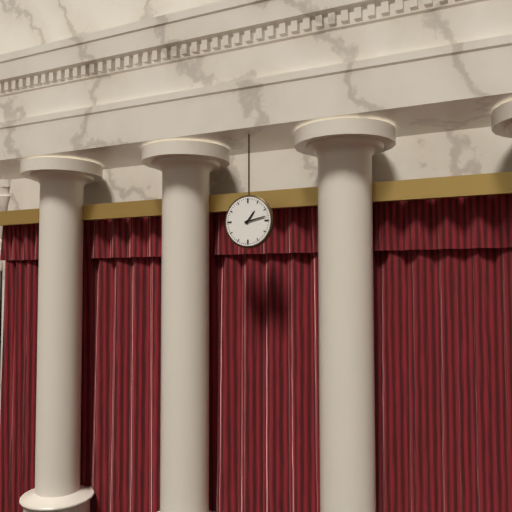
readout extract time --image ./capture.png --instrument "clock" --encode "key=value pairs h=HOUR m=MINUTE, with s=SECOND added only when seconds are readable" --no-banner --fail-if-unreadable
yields h=1 m=13
